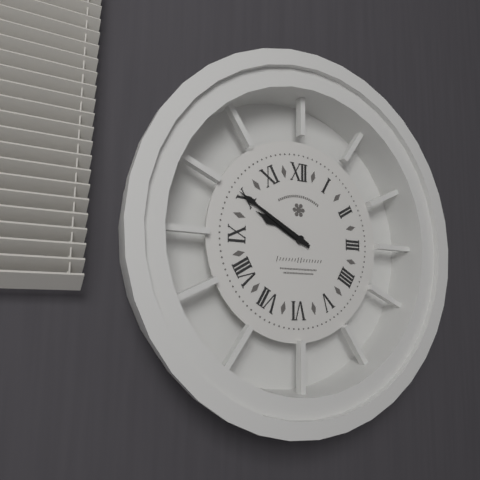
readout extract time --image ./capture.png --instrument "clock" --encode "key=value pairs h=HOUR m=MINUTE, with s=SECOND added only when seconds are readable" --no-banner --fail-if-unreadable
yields h=9 m=50
